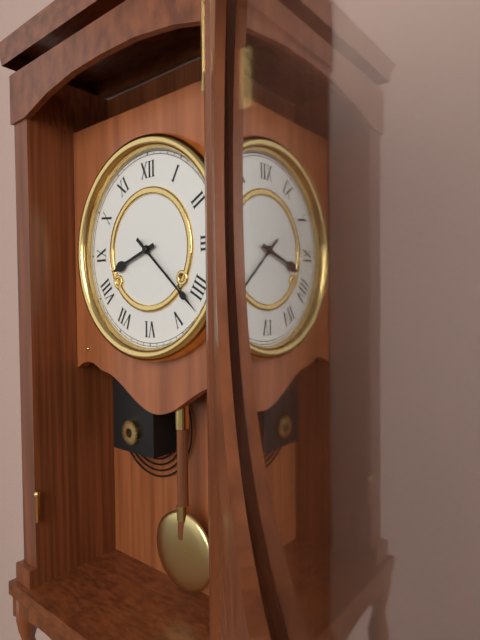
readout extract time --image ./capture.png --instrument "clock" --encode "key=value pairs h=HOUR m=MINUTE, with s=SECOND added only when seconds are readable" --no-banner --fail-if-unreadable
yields h=8 m=22
